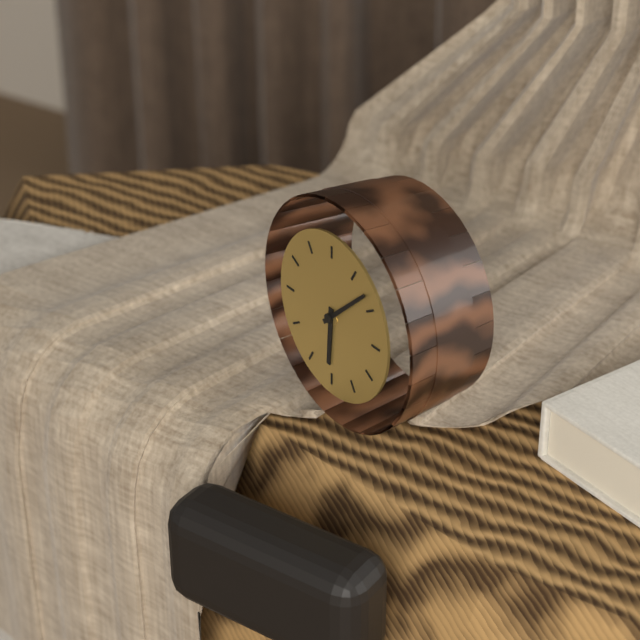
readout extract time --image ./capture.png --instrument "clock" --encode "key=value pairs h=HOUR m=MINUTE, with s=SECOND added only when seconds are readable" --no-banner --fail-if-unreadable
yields h=6 m=8
